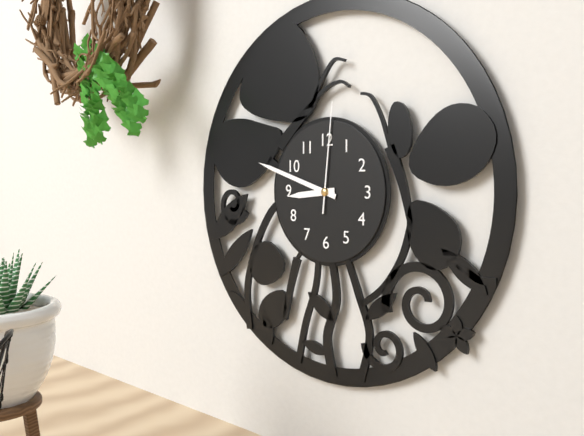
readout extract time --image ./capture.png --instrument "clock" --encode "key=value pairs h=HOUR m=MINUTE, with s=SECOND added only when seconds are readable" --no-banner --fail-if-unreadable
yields h=8 m=48 s=1
